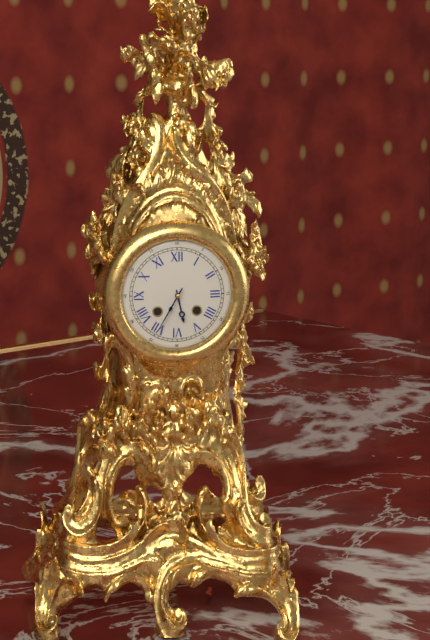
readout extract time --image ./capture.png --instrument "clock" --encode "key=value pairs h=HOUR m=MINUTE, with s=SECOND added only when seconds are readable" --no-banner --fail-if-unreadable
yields h=5 m=35
